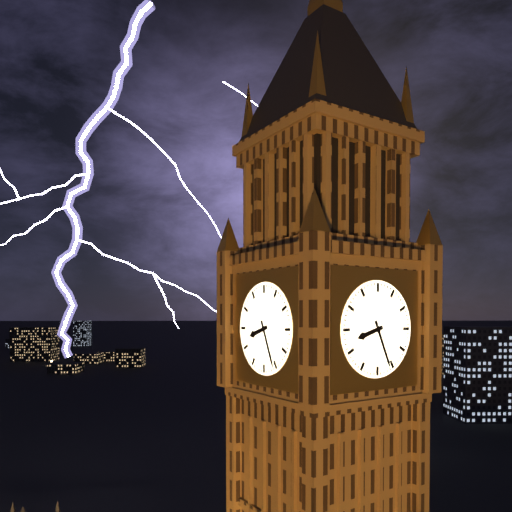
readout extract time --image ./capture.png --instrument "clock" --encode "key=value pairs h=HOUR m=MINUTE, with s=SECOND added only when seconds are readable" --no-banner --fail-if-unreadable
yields h=8 m=26
